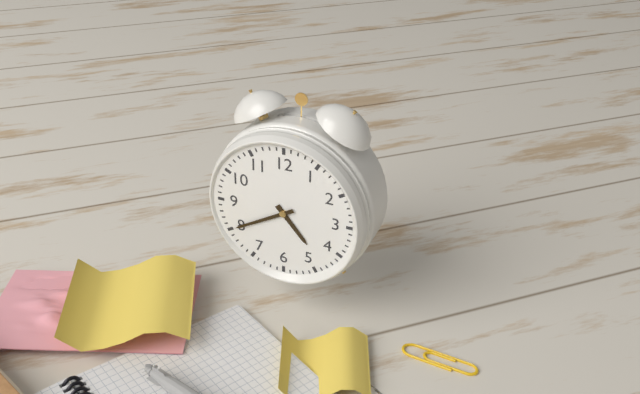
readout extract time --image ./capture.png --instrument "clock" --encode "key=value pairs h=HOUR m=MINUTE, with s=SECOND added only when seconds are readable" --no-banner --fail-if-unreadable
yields h=4 m=40
